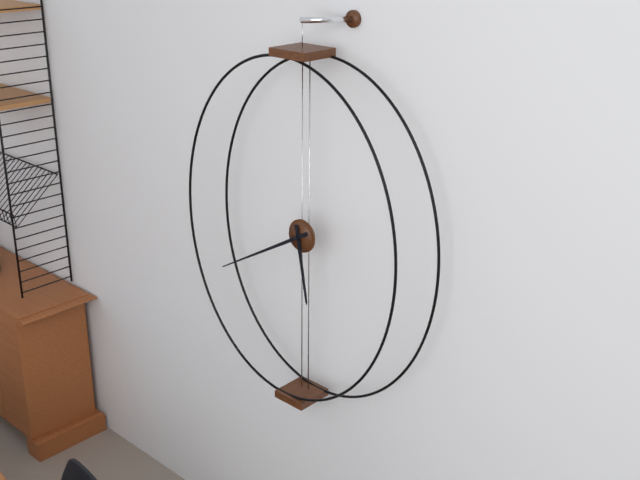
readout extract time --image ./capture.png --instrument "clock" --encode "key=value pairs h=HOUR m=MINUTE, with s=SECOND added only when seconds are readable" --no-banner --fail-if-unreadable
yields h=5 m=40
